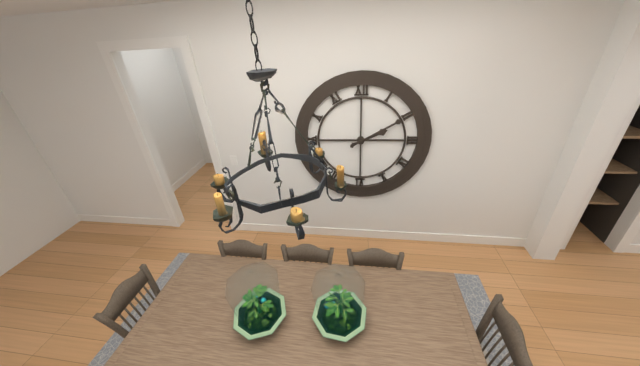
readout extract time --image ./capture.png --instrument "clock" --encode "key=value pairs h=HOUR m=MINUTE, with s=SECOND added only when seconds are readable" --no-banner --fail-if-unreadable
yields h=2 m=10
